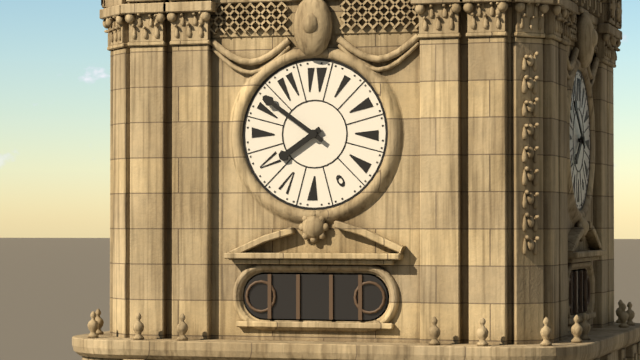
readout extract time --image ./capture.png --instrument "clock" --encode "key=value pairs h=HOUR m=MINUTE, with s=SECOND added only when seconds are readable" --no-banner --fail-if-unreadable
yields h=7 m=51
